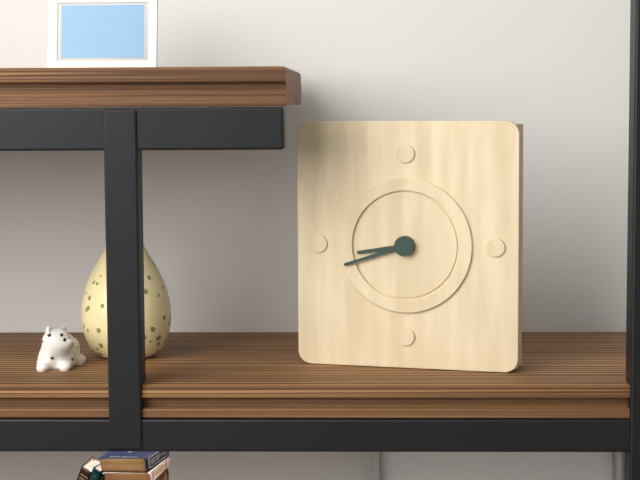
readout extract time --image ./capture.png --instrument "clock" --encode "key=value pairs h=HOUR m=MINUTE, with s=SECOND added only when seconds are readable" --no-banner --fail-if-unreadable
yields h=8 m=42
